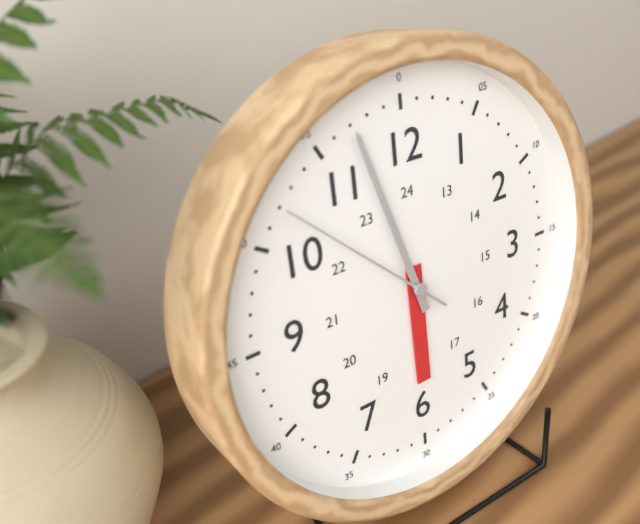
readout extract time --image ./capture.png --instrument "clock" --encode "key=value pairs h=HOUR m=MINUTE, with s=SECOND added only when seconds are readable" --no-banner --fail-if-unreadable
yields h=5 m=57 s=52
